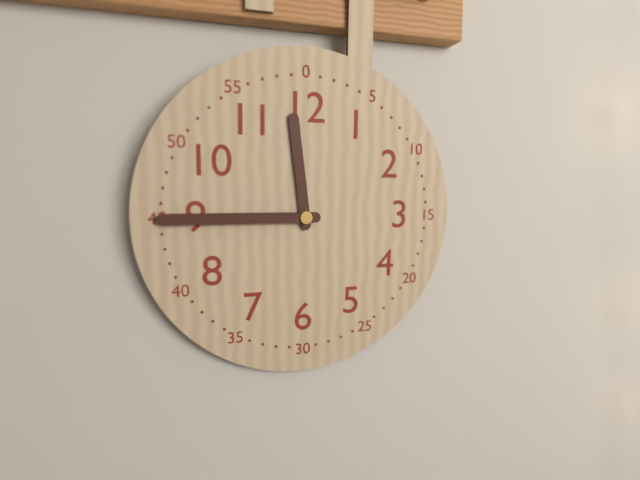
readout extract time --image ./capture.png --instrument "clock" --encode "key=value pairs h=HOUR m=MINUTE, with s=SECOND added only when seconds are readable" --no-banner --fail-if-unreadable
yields h=11 m=45
